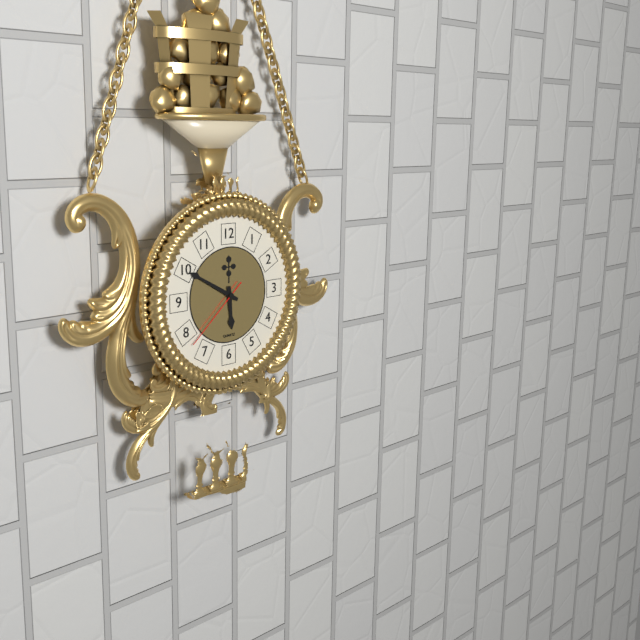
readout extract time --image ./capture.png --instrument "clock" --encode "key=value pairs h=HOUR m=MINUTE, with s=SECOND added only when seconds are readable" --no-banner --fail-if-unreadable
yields h=5 m=50 s=38
